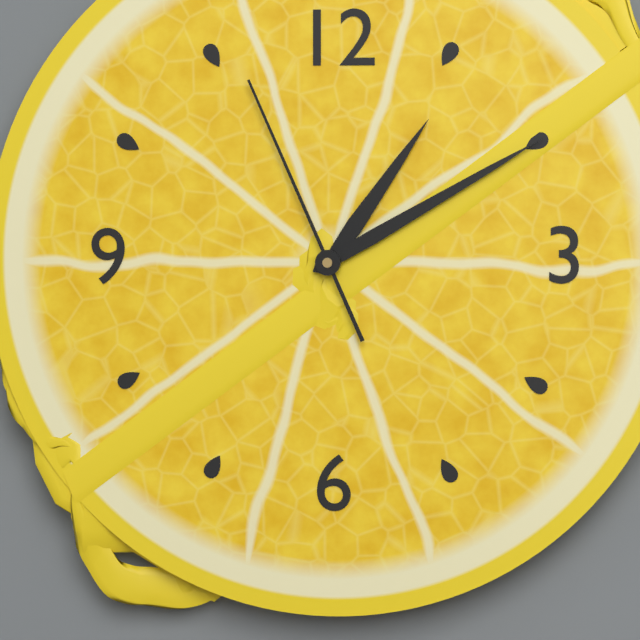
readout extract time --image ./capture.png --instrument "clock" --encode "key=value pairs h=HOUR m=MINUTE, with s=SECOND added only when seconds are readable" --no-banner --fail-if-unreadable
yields h=1 m=10 s=56
